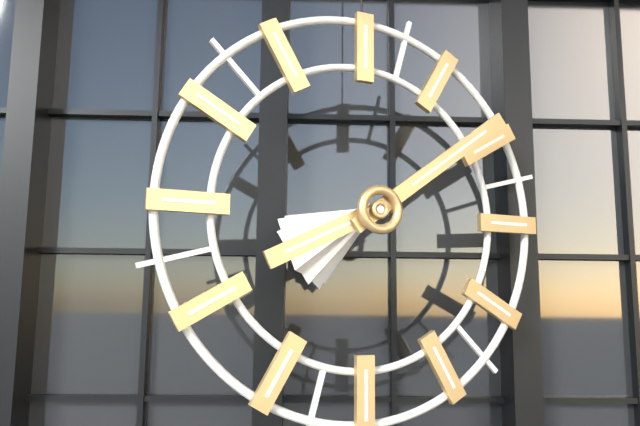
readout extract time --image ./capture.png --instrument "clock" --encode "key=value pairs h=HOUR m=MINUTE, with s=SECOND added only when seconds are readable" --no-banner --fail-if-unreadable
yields h=8 m=9
